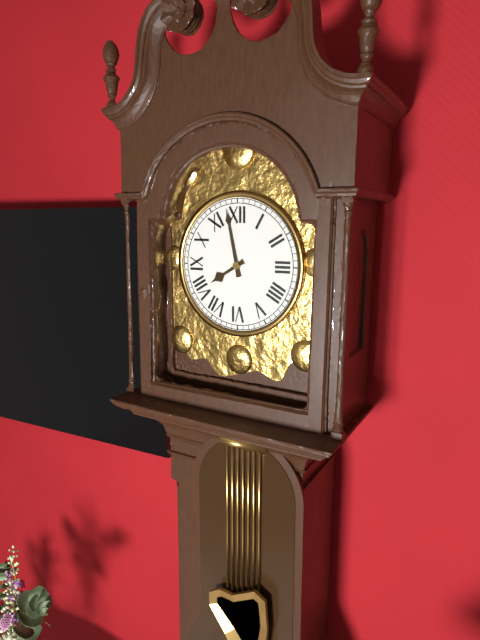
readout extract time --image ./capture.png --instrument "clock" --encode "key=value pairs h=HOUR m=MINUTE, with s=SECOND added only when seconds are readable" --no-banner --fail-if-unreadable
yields h=7 m=58
